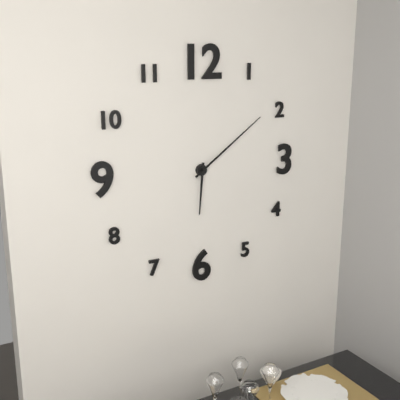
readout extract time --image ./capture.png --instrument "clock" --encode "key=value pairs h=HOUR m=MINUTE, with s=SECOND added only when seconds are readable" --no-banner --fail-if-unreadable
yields h=6 m=9
